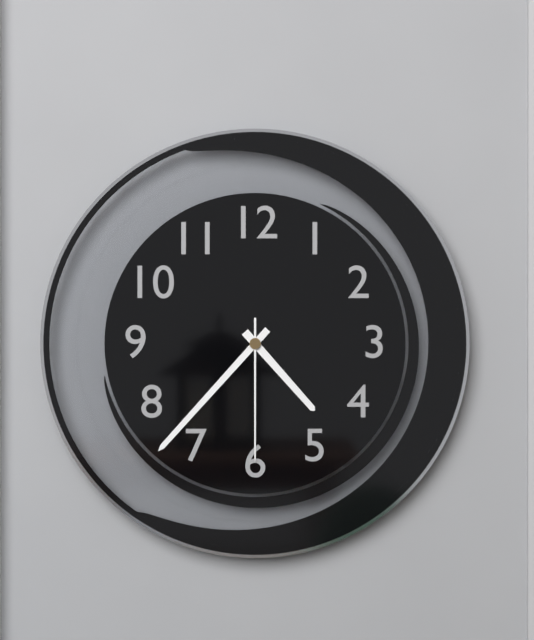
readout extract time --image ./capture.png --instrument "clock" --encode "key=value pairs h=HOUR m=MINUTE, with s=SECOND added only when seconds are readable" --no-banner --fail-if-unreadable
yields h=4 m=37 s=30
